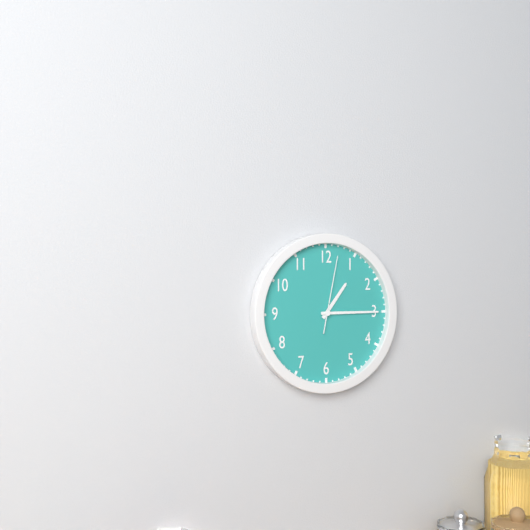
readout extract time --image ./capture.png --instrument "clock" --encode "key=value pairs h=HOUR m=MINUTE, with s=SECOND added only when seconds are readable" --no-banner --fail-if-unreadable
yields h=1 m=15 s=2
